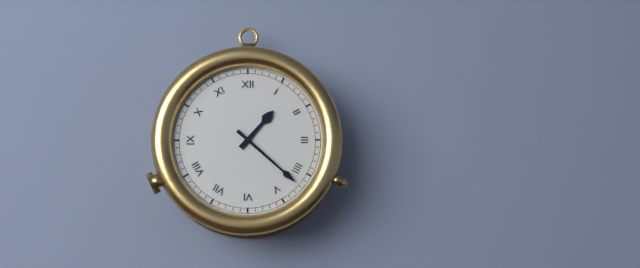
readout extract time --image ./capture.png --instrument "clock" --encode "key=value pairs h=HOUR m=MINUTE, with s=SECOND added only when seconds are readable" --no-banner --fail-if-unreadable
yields h=1 m=22
